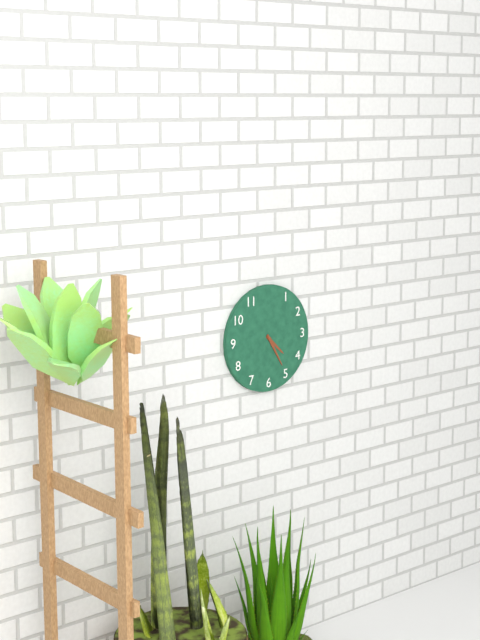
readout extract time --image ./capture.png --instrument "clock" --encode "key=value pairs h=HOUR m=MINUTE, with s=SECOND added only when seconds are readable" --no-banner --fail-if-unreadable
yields h=4 m=25
